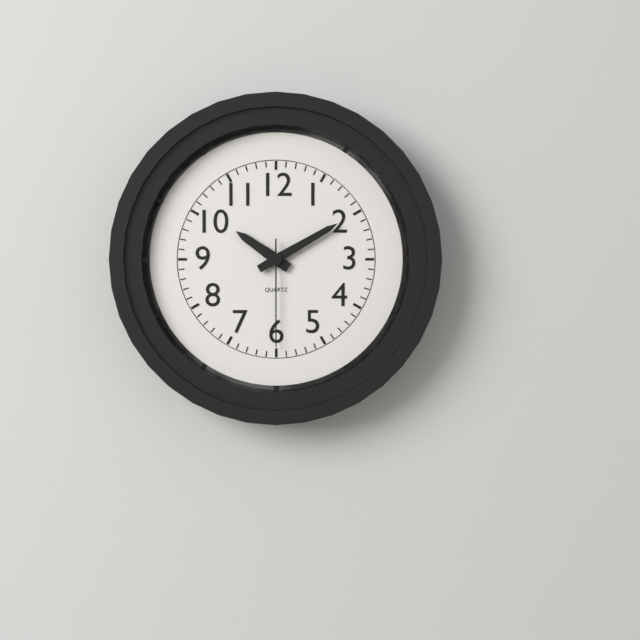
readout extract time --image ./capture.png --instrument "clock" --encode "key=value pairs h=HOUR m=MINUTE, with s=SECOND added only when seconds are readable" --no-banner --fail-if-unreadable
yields h=10 m=10 s=30
